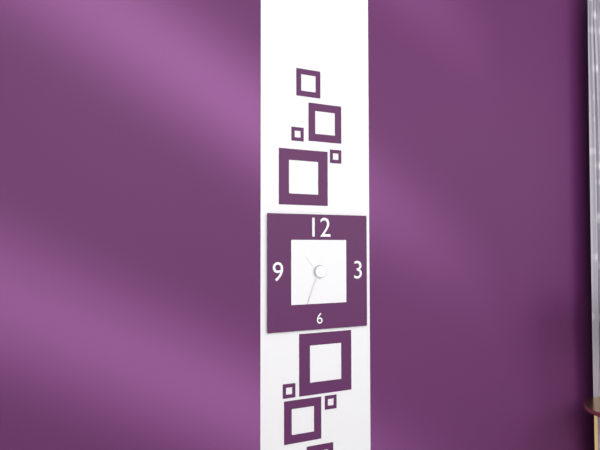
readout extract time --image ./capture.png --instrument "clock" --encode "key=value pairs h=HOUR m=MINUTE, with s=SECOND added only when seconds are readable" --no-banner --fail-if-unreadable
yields h=10 m=34
